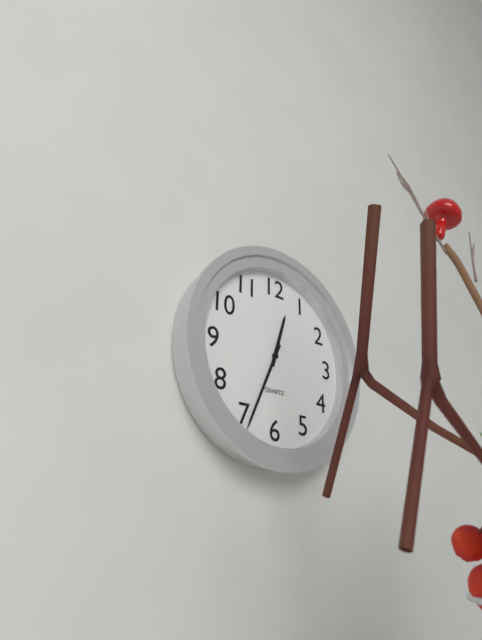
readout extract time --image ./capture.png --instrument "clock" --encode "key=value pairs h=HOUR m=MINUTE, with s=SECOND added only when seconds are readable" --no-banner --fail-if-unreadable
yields h=12 m=34
